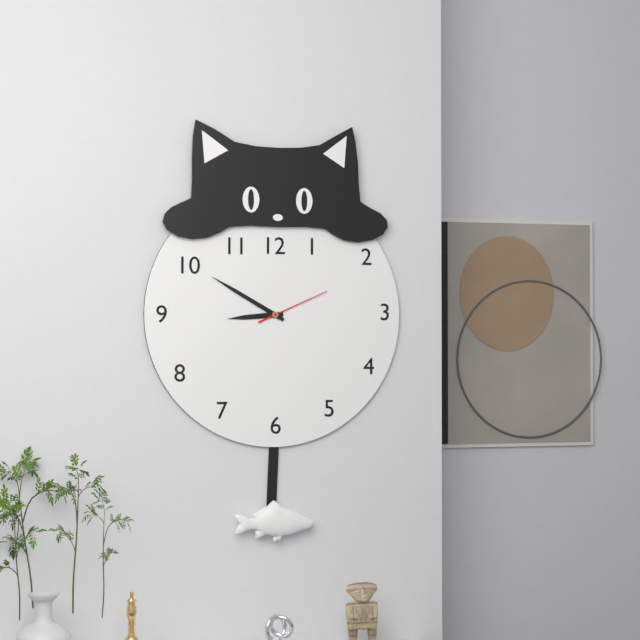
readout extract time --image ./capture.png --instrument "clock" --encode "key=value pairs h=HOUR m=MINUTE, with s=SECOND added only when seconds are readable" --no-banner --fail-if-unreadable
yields h=8 m=50 s=11
